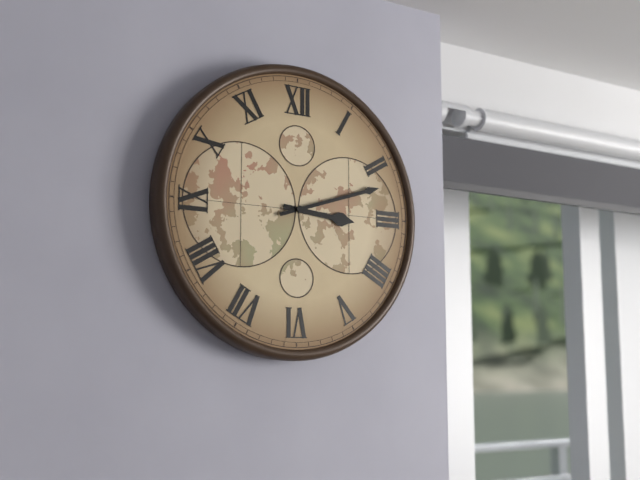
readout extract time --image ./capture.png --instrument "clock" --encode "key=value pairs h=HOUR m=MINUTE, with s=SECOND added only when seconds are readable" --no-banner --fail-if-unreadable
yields h=3 m=12
